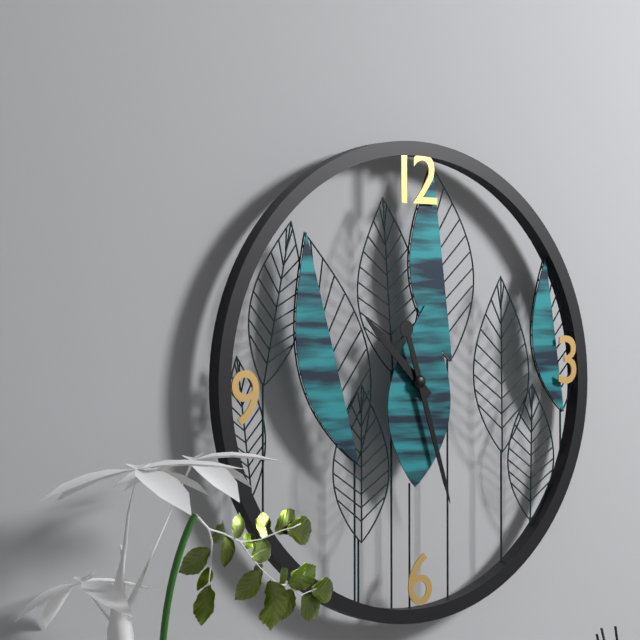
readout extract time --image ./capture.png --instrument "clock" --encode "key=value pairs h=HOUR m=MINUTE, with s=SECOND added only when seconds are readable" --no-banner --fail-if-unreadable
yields h=10 m=27
